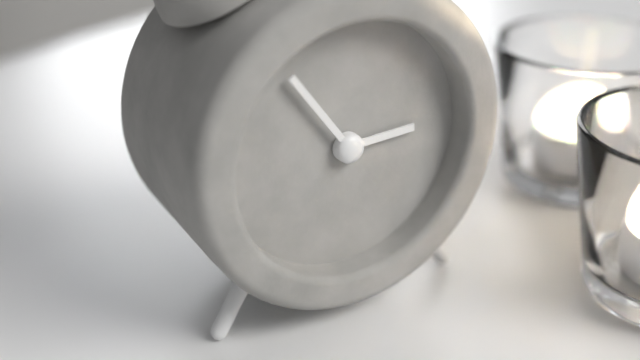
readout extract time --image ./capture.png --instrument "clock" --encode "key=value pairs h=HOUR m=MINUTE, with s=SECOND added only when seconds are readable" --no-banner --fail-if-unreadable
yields h=2 m=54
